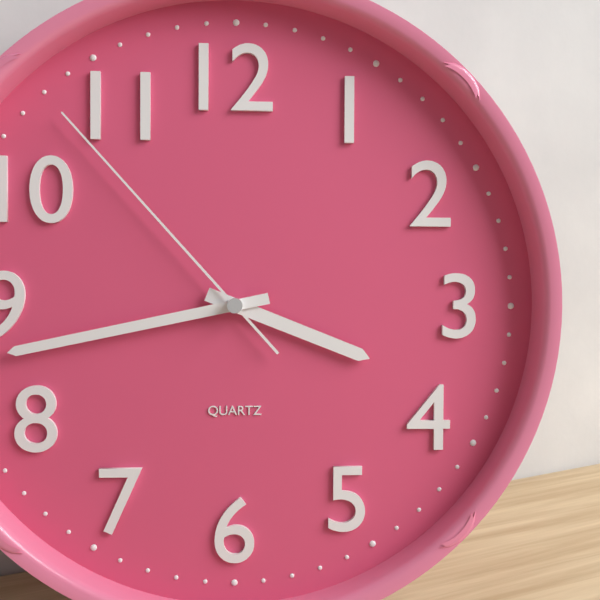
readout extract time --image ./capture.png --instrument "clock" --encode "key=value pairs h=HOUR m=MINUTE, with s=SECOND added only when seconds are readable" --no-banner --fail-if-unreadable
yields h=3 m=43 s=53
